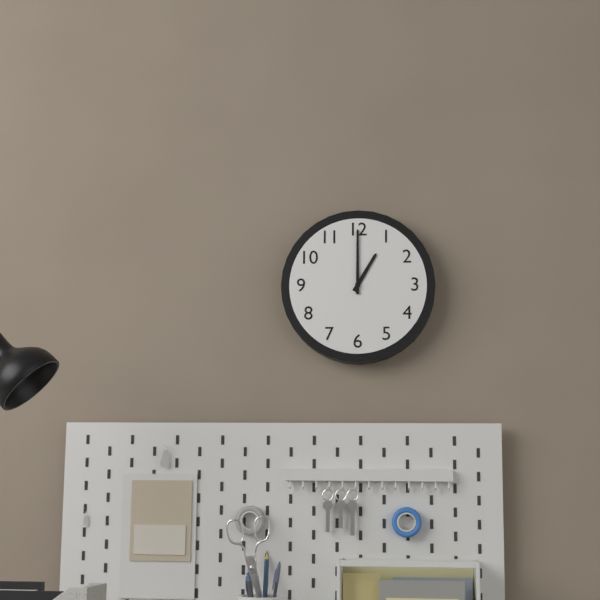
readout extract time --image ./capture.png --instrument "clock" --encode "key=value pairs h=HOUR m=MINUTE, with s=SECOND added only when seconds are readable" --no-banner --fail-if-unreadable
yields h=1 m=0
